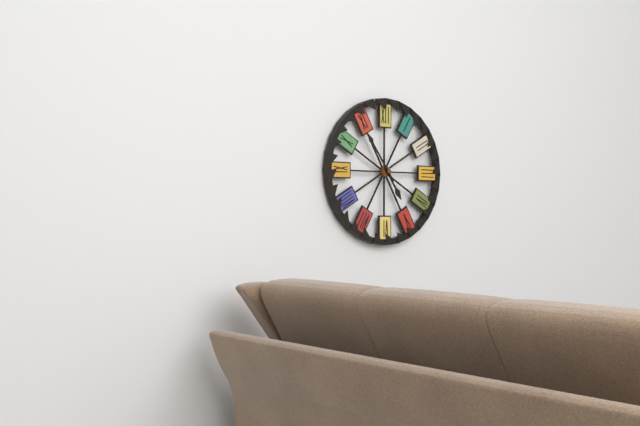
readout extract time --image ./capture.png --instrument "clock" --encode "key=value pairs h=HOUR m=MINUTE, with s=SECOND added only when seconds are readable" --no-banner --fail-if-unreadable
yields h=4 m=54
